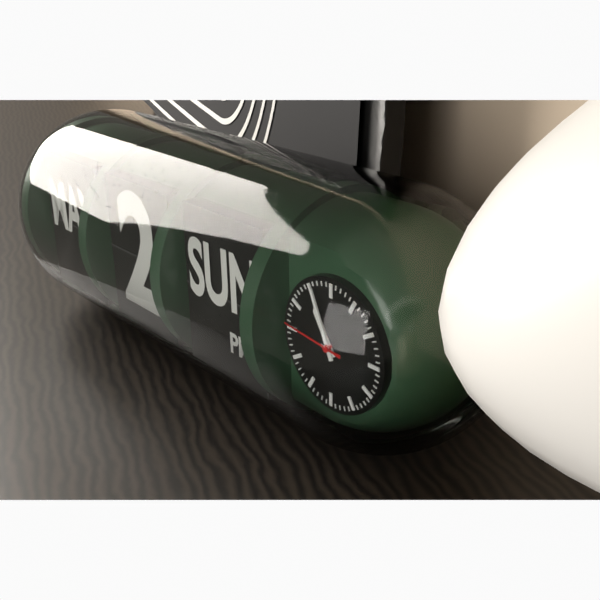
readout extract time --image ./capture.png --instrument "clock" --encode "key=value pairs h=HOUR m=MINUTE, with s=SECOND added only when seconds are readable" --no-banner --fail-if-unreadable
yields h=10 m=56 s=46
